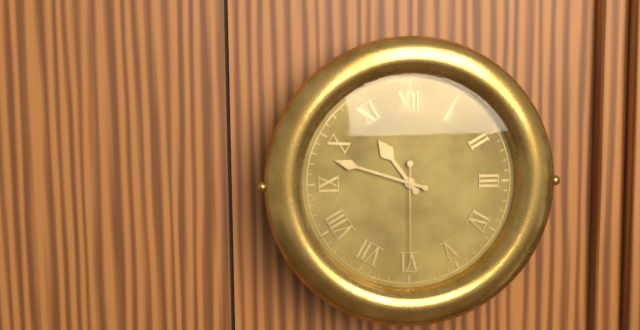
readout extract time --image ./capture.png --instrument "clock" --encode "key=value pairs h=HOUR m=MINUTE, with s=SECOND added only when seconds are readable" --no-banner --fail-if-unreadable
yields h=10 m=48 s=30
